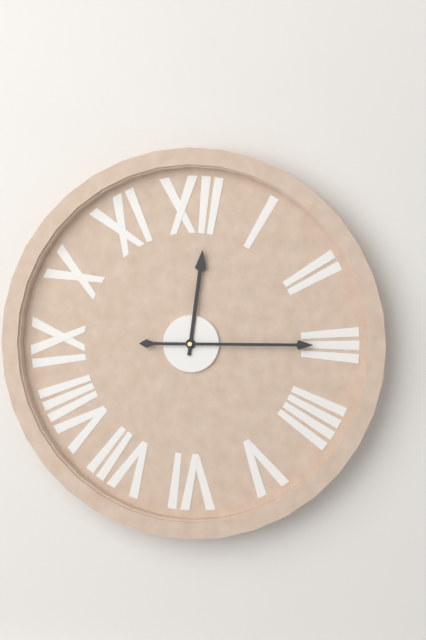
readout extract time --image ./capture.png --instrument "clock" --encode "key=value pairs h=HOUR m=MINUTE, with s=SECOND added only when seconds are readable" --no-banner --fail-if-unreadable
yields h=12 m=15
